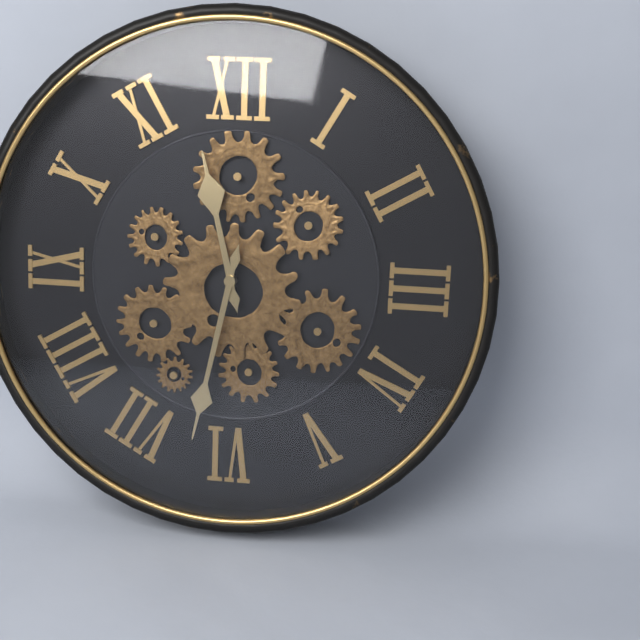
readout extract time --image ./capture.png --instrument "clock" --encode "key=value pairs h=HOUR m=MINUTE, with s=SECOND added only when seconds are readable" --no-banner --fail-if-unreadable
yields h=11 m=32
